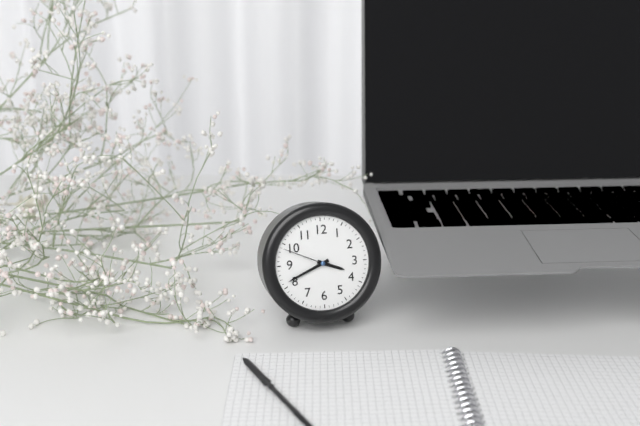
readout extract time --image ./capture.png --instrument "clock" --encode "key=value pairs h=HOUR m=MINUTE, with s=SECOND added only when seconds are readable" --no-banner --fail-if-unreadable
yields h=3 m=41 s=49
